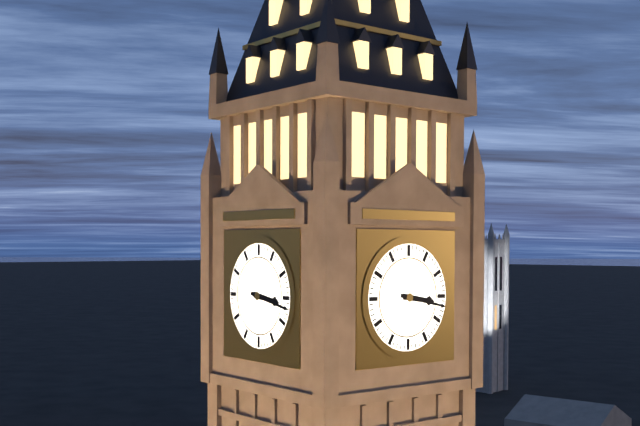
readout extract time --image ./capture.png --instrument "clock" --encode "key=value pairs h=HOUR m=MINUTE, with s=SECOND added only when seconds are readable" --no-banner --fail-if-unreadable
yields h=3 m=17
